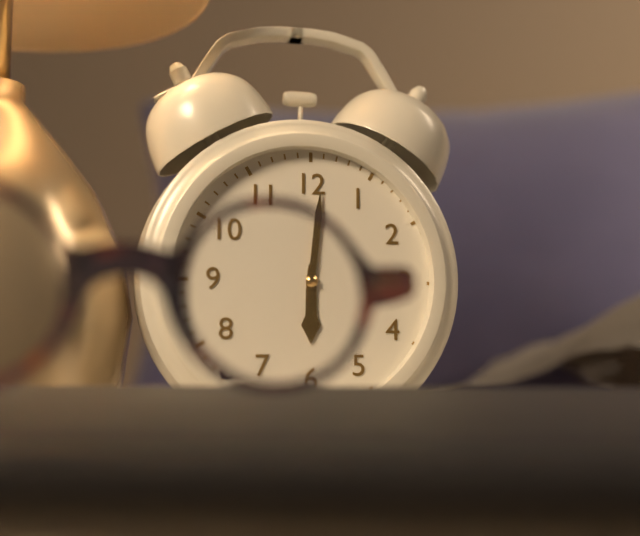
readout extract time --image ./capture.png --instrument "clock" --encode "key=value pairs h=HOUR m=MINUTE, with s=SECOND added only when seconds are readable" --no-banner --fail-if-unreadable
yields h=6 m=1
